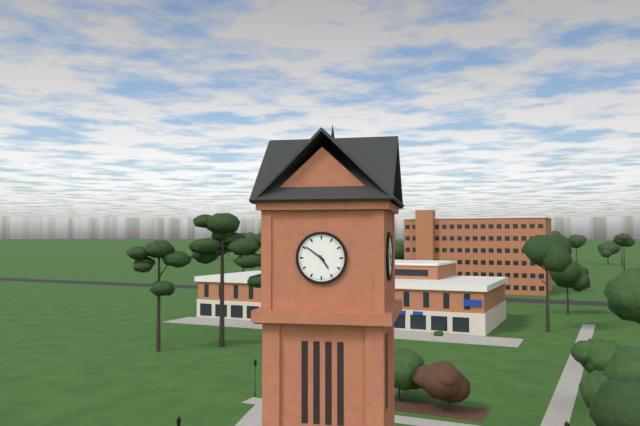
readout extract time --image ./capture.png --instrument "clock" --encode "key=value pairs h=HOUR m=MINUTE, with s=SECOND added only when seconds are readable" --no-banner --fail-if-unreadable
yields h=4 m=51
